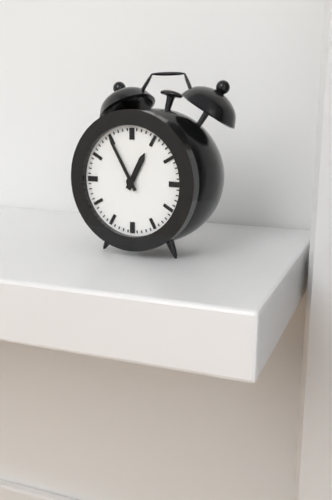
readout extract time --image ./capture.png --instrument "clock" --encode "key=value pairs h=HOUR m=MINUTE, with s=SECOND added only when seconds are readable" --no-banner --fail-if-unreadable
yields h=12 m=55
